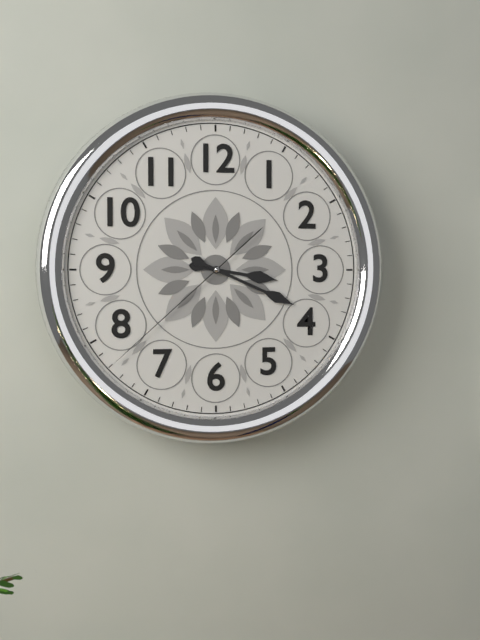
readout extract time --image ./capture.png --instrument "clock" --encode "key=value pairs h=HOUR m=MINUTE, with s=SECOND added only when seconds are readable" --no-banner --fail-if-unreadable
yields h=3 m=19 s=38
